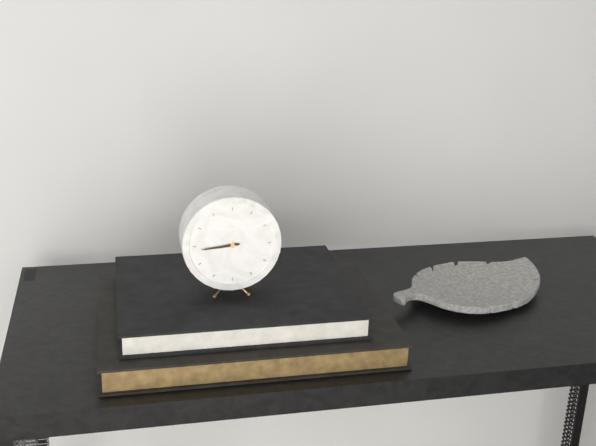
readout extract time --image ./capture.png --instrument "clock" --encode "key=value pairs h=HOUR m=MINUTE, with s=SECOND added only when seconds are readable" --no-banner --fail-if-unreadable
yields h=8 m=44
